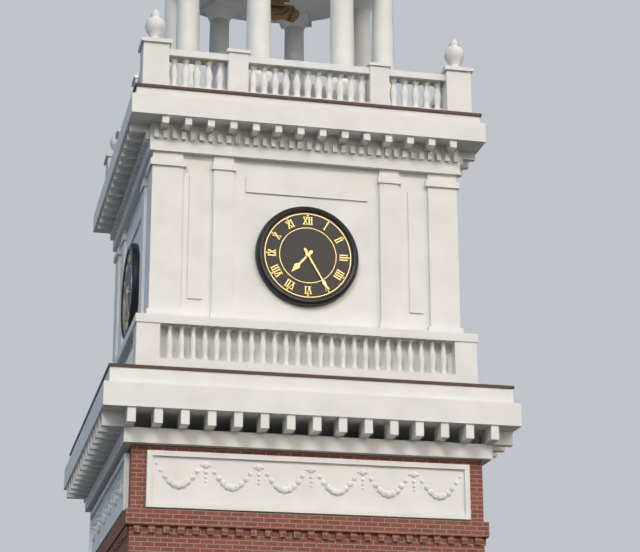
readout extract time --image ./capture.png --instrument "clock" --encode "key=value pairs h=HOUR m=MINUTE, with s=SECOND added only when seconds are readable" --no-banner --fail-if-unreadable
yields h=7 m=25
